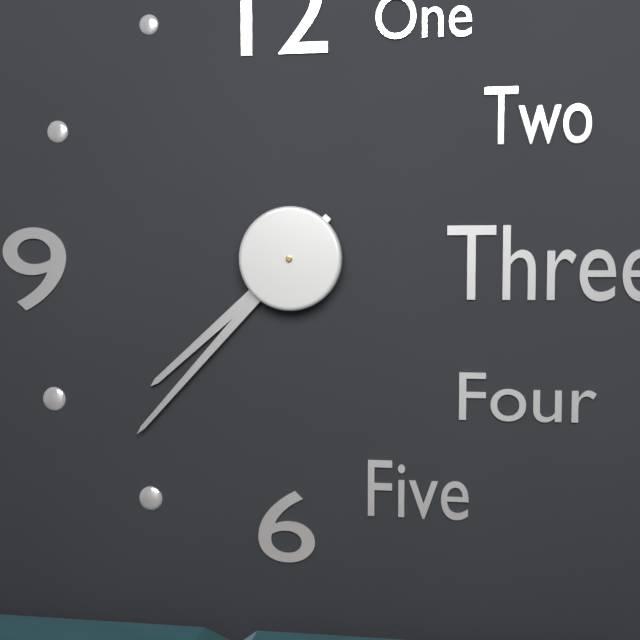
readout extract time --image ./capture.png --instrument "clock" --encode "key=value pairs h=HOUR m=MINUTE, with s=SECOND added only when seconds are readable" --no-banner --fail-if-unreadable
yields h=7 m=37
